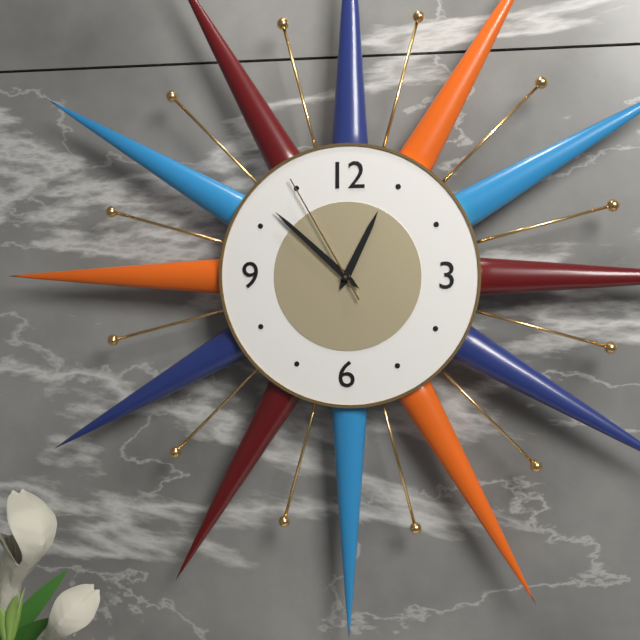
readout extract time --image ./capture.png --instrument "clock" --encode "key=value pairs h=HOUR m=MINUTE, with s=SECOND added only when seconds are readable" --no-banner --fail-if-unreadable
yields h=12 m=52 s=55
